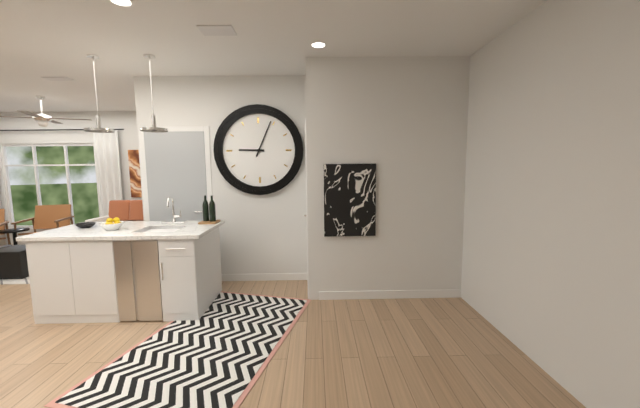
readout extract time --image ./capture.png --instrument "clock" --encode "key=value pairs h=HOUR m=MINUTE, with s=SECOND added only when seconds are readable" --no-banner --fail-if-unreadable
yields h=9 m=4
